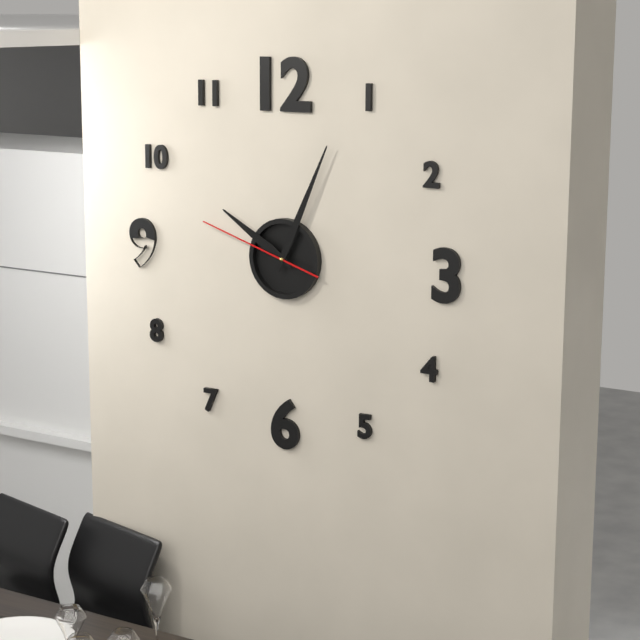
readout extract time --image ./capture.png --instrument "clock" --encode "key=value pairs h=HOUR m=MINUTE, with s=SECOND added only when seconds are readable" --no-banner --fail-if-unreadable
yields h=10 m=4 s=48
